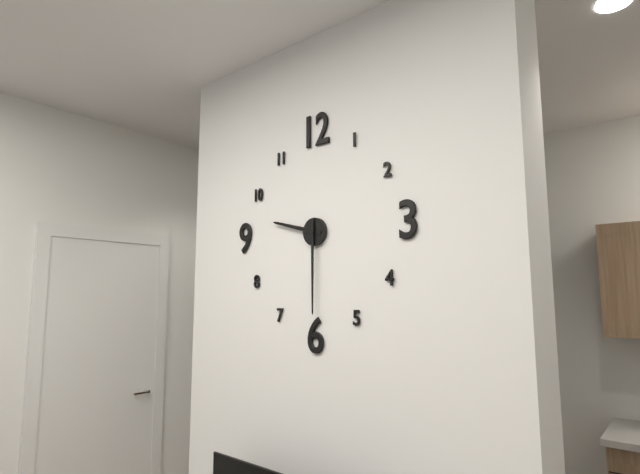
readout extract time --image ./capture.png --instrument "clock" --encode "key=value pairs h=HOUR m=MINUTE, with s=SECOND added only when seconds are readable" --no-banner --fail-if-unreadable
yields h=9 m=30
